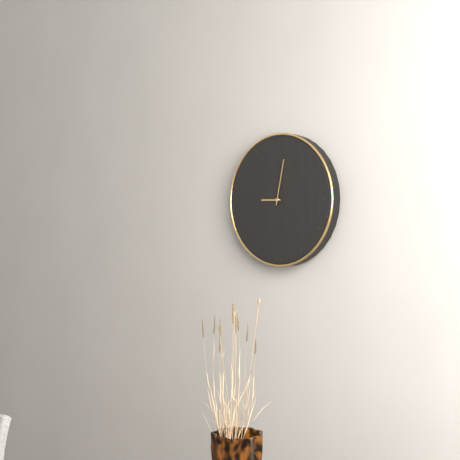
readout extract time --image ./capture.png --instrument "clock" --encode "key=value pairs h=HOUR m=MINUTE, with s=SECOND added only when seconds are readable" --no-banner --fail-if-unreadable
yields h=9 m=2
